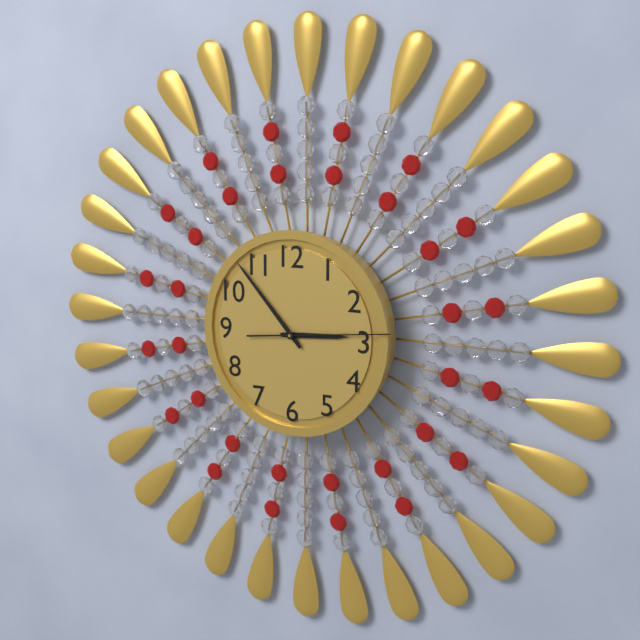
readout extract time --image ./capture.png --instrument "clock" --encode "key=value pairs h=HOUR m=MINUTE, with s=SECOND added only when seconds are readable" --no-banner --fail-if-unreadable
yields h=2 m=53 s=14
